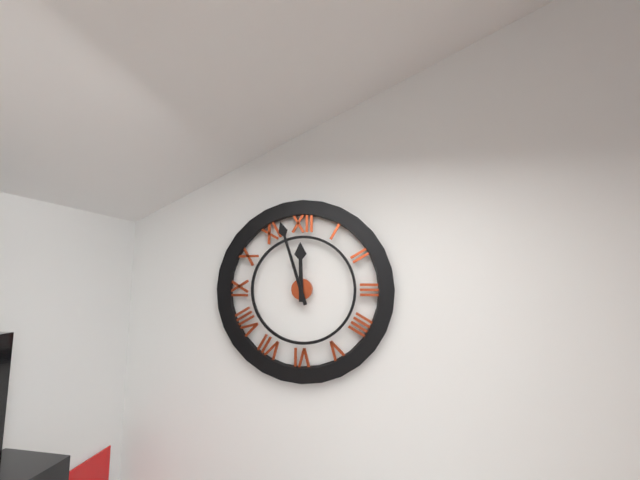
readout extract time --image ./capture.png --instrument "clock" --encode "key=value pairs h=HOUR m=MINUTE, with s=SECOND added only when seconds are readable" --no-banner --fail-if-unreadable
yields h=11 m=57
